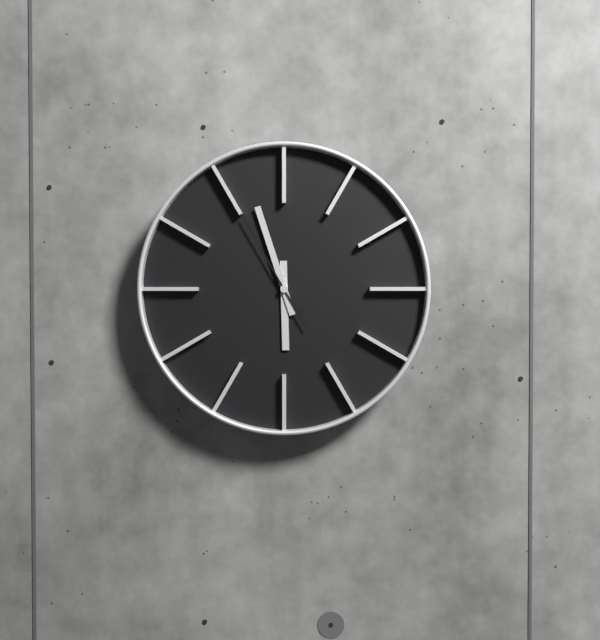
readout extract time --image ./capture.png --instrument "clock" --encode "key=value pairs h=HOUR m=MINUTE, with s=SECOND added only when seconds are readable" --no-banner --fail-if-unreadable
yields h=5 m=57 s=55
